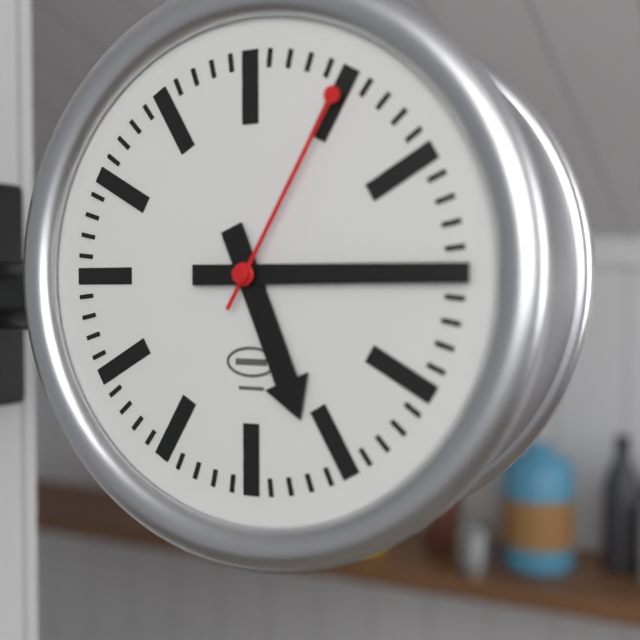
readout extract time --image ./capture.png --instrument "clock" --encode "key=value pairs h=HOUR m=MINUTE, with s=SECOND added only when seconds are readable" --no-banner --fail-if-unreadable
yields h=5 m=15 s=5
